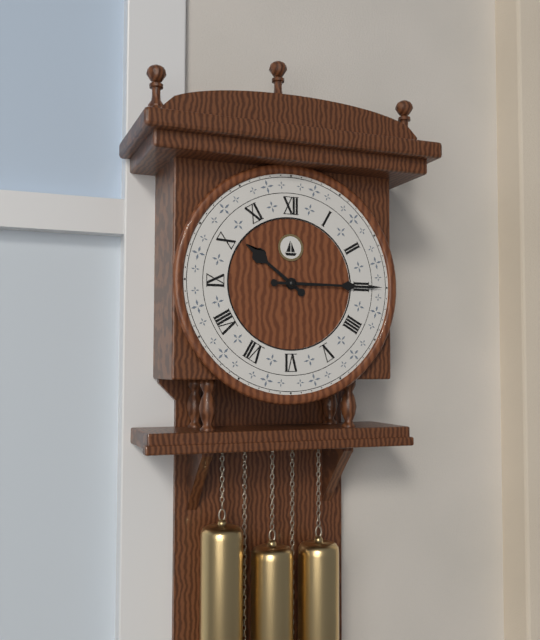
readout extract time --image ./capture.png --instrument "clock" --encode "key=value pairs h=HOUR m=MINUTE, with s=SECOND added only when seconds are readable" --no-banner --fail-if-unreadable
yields h=10 m=15
